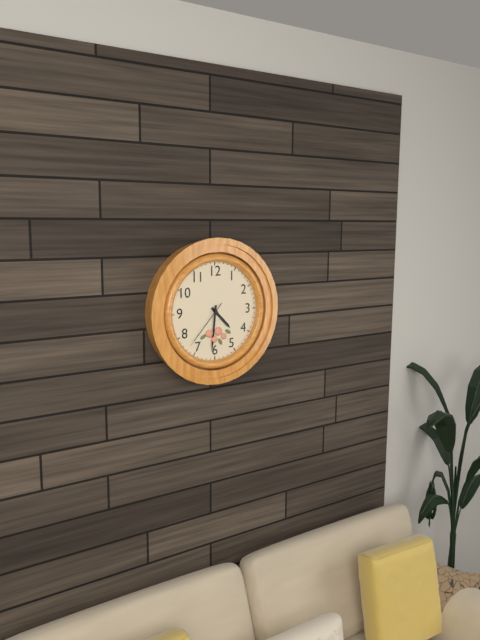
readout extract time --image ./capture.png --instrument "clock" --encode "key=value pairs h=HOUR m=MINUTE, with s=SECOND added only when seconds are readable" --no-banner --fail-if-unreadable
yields h=4 m=31 s=37
